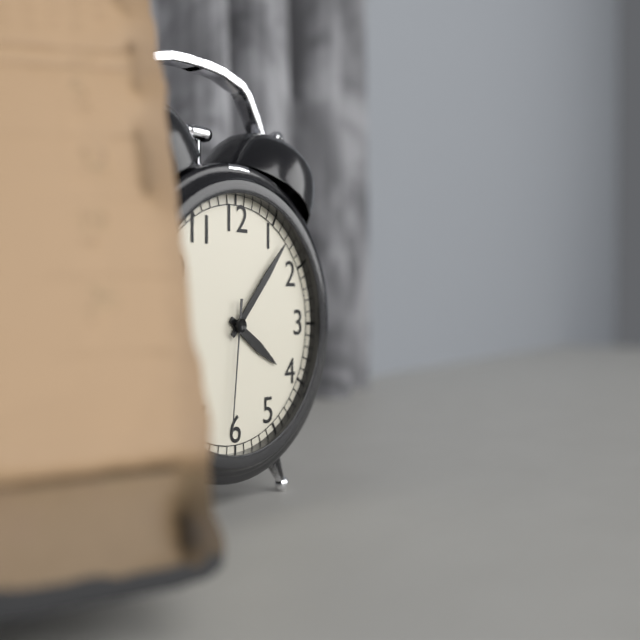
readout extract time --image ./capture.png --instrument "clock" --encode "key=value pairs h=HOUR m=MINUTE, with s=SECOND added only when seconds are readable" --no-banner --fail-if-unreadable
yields h=4 m=7 s=31
